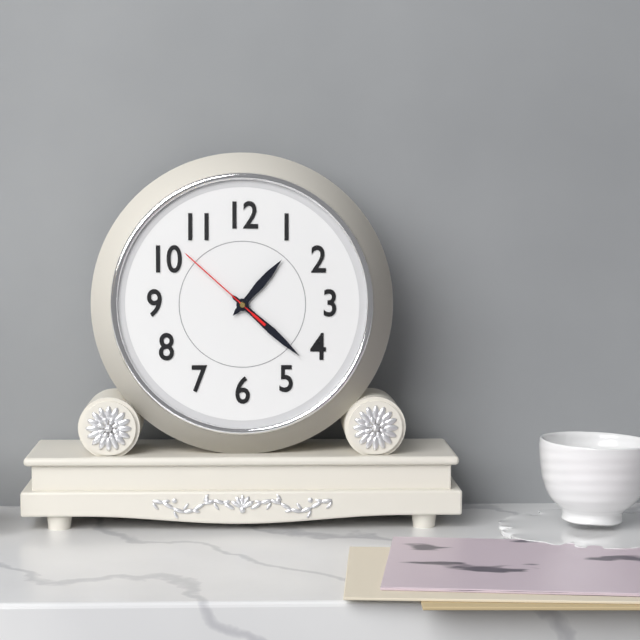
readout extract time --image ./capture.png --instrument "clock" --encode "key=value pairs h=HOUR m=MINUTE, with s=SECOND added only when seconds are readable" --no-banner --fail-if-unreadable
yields h=1 m=22 s=52
